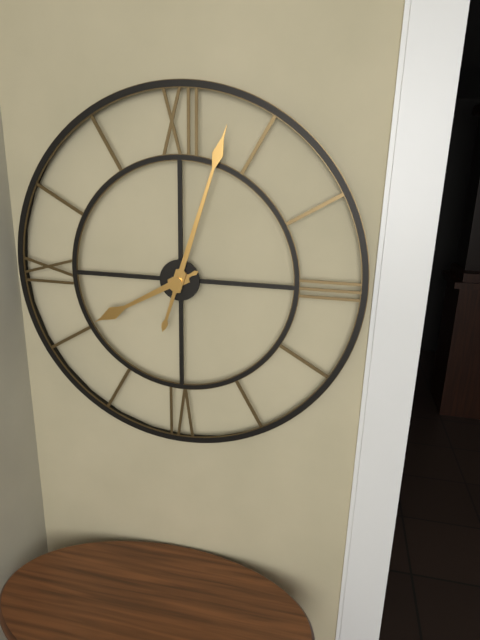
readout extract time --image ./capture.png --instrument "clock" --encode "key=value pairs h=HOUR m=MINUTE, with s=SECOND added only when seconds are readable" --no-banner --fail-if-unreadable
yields h=8 m=3
